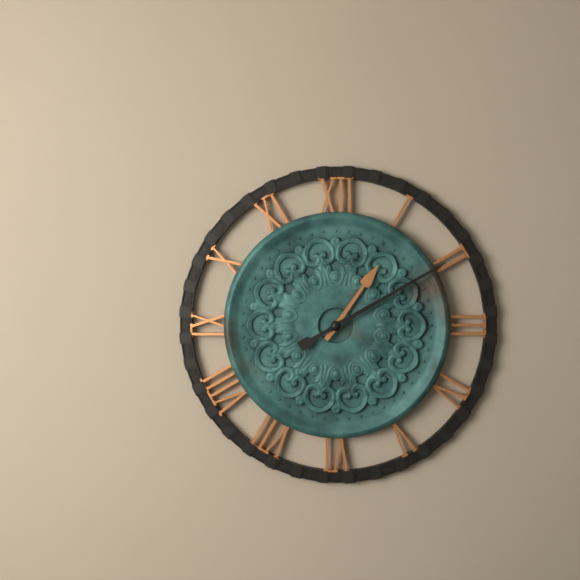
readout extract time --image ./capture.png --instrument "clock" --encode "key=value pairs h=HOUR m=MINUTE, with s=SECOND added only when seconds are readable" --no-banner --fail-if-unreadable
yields h=1 m=10
